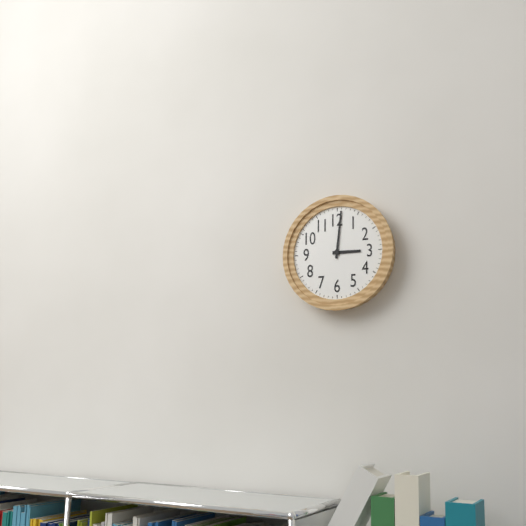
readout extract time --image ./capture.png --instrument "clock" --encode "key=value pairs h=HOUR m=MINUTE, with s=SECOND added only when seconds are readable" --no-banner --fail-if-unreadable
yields h=3 m=1
